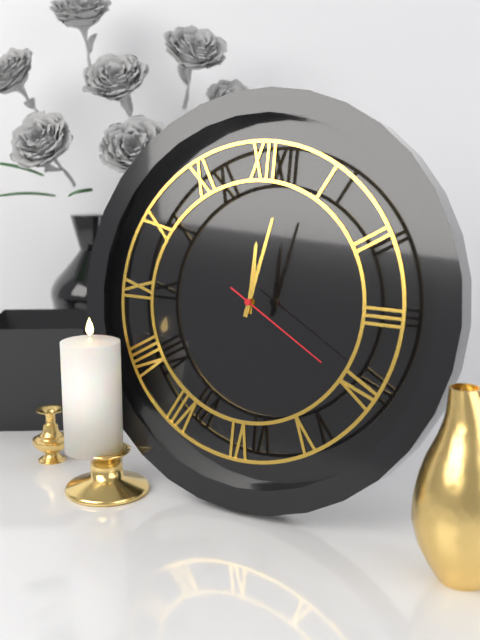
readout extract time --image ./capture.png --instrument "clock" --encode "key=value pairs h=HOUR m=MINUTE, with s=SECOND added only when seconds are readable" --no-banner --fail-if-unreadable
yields h=12 m=2 s=20
